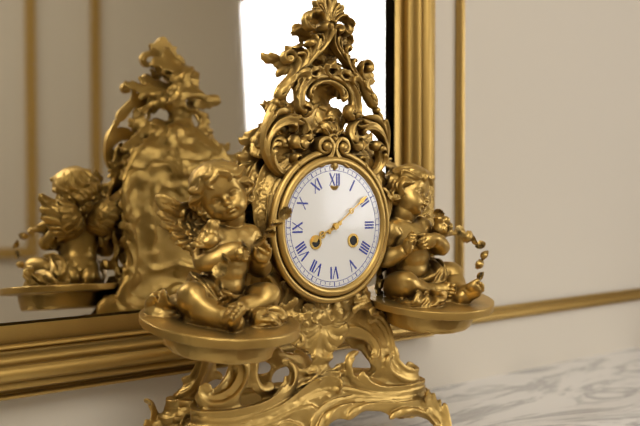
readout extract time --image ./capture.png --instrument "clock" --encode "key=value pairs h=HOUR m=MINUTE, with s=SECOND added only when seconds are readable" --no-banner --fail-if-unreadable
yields h=8 m=9
